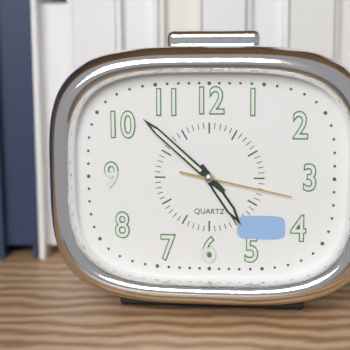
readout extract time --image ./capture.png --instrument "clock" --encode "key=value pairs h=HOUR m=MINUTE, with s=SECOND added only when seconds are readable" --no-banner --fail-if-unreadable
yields h=4 m=52 s=17
